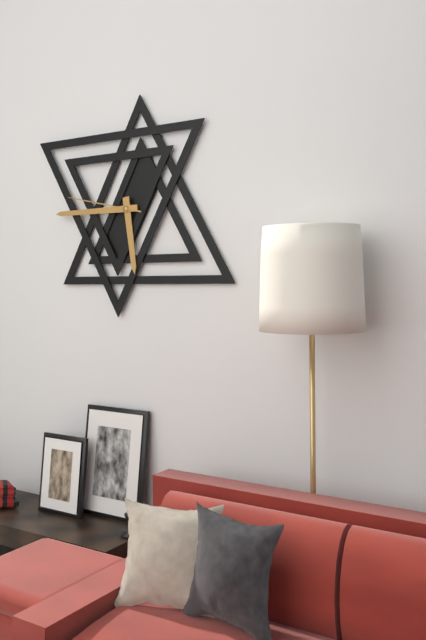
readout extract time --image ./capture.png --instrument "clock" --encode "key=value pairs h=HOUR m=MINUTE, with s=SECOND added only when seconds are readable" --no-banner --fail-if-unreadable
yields h=5 m=45 s=47
